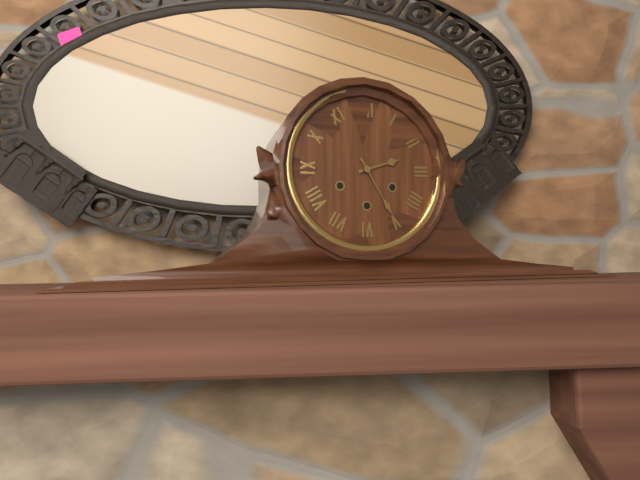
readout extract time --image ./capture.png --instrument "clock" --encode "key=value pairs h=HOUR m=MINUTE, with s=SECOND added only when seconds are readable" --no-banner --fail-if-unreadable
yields h=2 m=25
